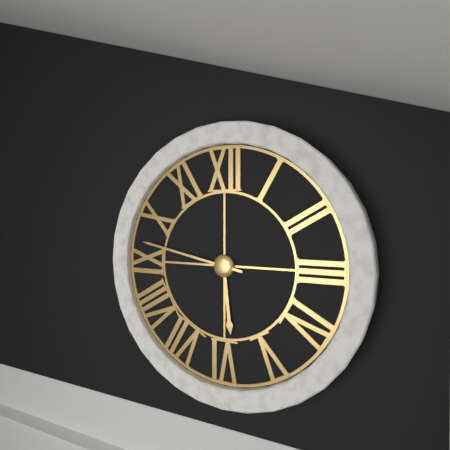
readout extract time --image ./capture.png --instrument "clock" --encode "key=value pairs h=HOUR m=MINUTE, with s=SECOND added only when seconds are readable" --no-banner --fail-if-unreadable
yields h=5 m=47
